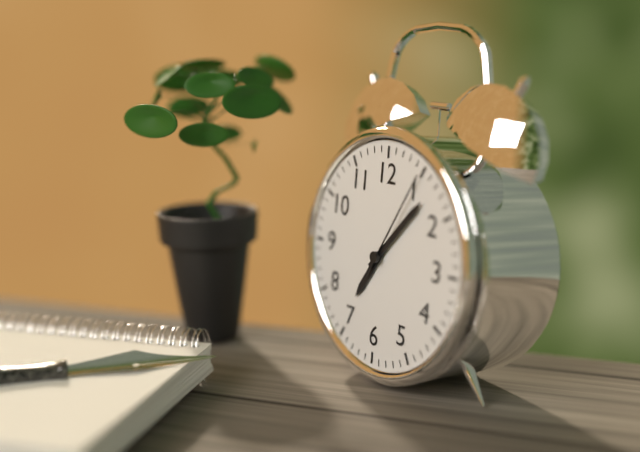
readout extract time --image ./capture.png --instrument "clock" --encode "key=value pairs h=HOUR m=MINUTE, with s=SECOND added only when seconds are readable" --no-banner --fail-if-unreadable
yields h=7 m=7 s=5
